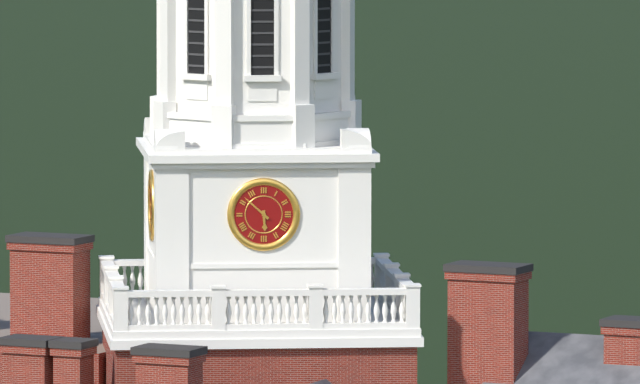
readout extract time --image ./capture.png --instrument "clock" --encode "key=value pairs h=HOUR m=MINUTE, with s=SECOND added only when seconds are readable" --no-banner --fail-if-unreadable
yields h=5 m=52
